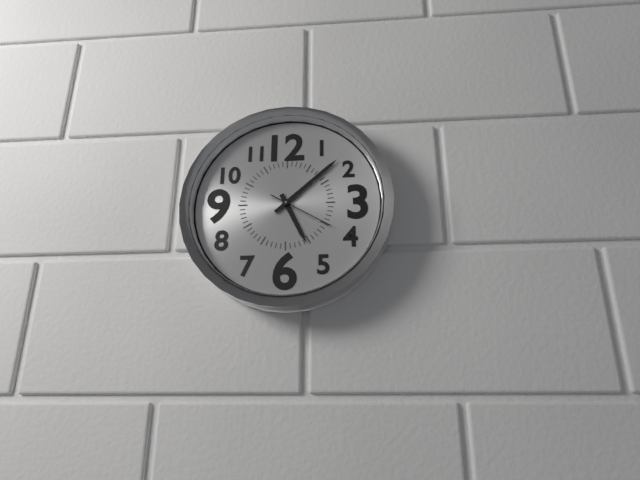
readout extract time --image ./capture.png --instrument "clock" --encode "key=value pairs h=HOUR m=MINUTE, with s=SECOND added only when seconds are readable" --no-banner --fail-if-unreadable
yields h=5 m=8 s=20
